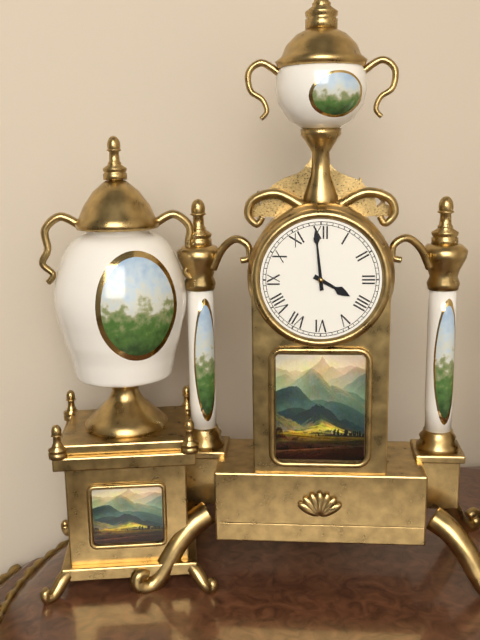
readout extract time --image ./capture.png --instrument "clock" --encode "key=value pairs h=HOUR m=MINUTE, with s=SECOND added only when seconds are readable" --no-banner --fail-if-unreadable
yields h=3 m=59
